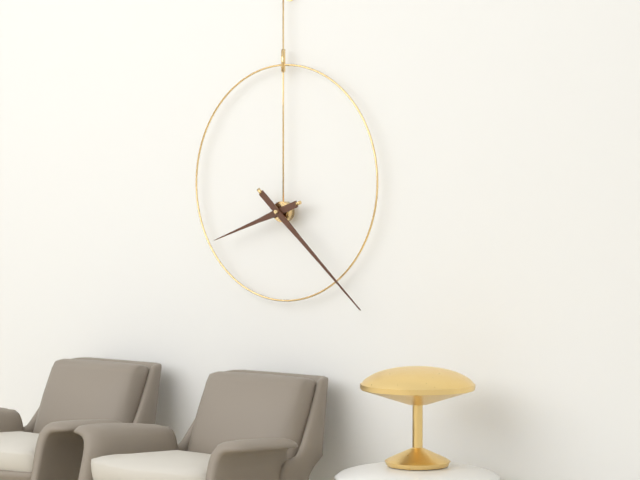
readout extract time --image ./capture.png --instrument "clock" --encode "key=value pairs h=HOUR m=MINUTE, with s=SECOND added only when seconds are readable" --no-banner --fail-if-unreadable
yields h=8 m=22
